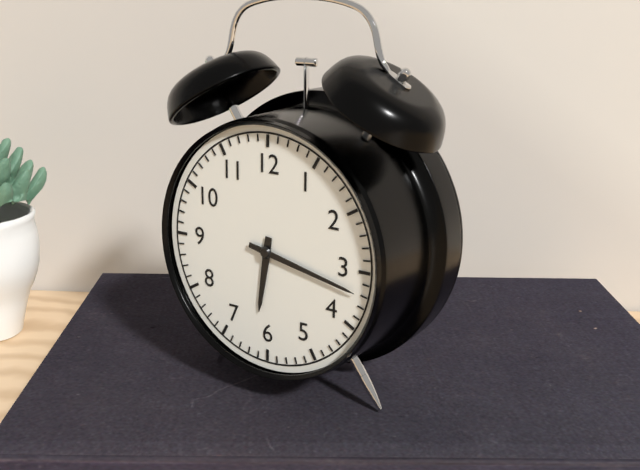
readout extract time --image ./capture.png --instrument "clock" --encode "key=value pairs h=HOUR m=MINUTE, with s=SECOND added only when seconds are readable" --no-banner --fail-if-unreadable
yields h=6 m=17
